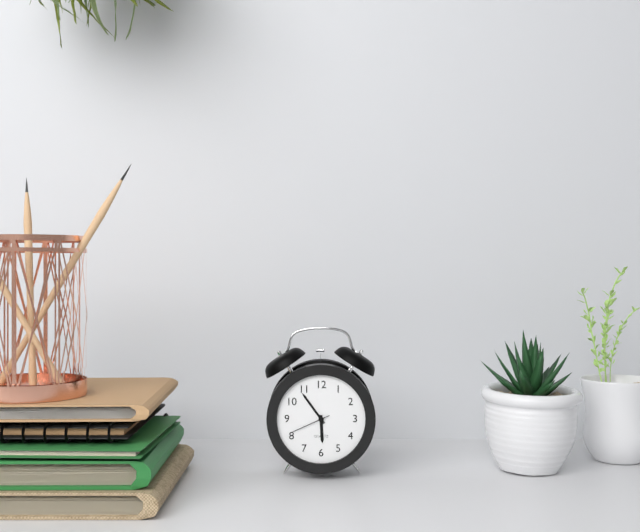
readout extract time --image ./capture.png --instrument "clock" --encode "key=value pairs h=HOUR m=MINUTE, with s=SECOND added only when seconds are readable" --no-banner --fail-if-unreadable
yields h=5 m=54
